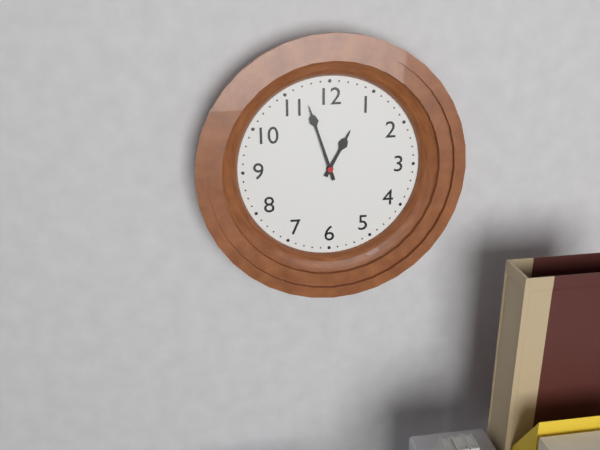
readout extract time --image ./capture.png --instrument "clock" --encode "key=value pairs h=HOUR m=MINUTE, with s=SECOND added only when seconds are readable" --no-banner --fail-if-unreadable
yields h=12 m=57
